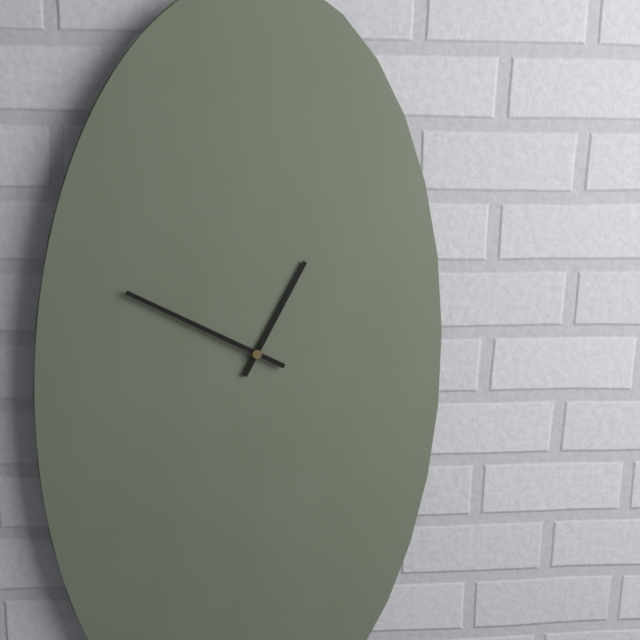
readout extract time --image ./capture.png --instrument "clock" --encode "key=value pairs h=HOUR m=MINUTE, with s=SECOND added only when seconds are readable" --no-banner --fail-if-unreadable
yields h=12 m=49
